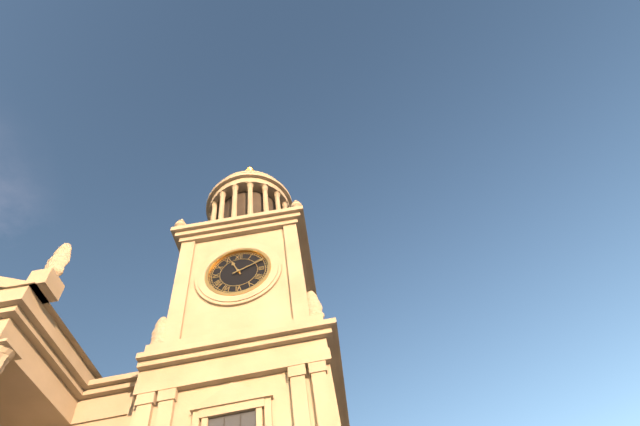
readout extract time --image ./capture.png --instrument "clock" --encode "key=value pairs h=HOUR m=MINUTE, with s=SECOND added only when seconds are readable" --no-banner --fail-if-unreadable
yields h=11 m=11
